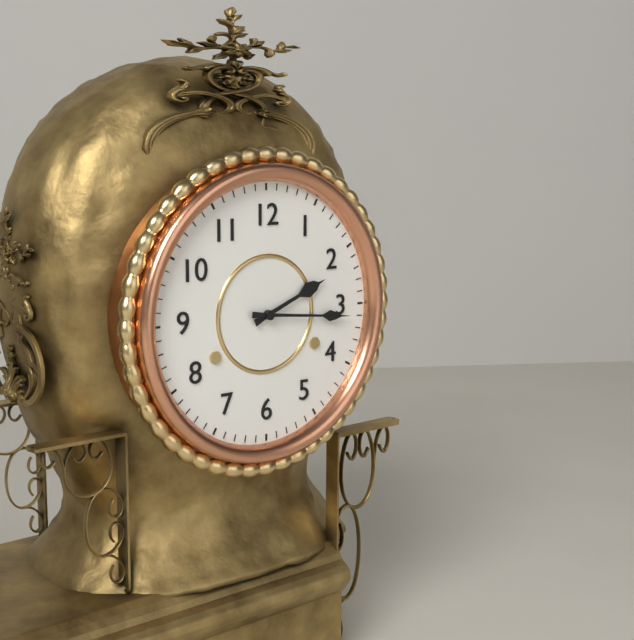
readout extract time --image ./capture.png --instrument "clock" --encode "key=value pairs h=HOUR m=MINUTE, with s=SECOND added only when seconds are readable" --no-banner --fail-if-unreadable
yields h=2 m=16
